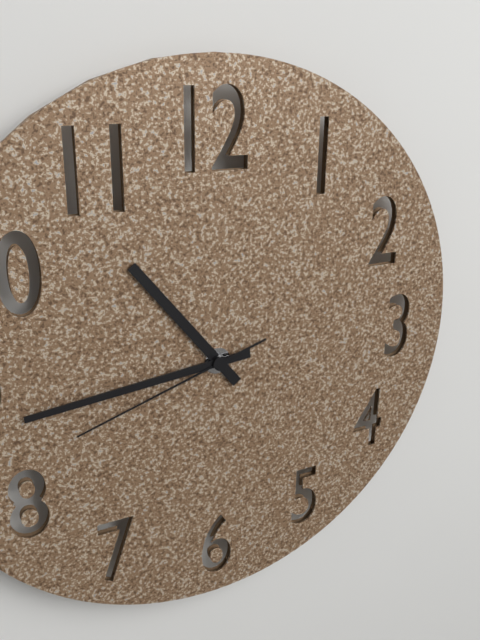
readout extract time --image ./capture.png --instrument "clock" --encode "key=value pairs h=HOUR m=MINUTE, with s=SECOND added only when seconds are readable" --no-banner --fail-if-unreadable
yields h=10 m=44 s=42
